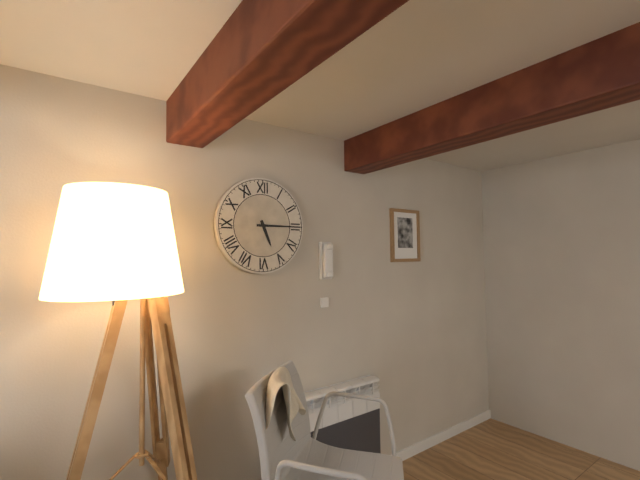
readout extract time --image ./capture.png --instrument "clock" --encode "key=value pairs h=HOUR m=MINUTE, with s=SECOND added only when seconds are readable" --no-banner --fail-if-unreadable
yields h=5 m=15
